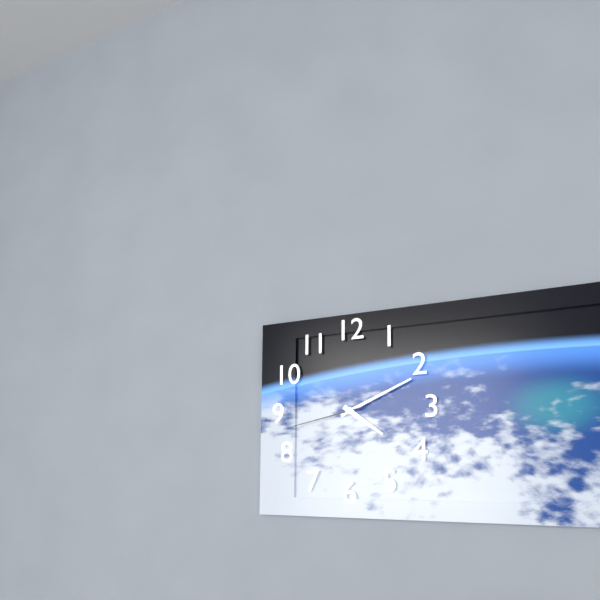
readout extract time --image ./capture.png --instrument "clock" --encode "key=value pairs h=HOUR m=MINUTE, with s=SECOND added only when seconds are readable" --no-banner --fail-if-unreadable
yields h=4 m=11 s=43
